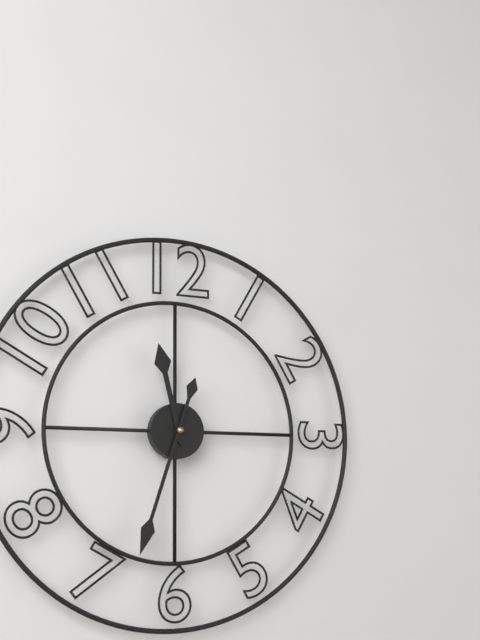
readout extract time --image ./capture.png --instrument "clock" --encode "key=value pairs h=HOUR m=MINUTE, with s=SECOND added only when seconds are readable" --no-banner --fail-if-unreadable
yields h=11 m=33
